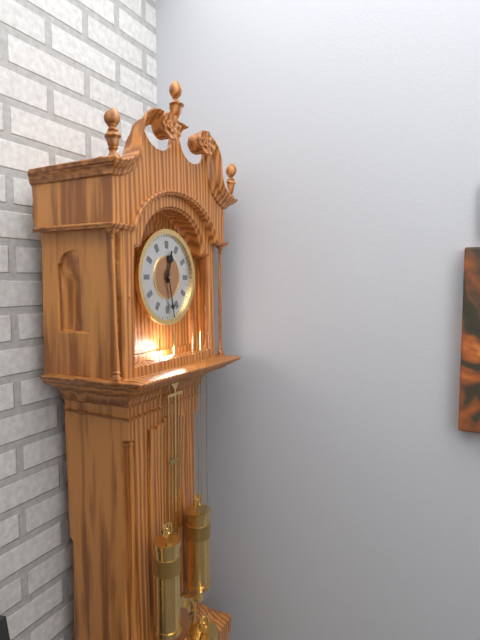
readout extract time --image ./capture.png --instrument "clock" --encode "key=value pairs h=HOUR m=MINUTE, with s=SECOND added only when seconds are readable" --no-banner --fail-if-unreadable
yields h=12 m=28
